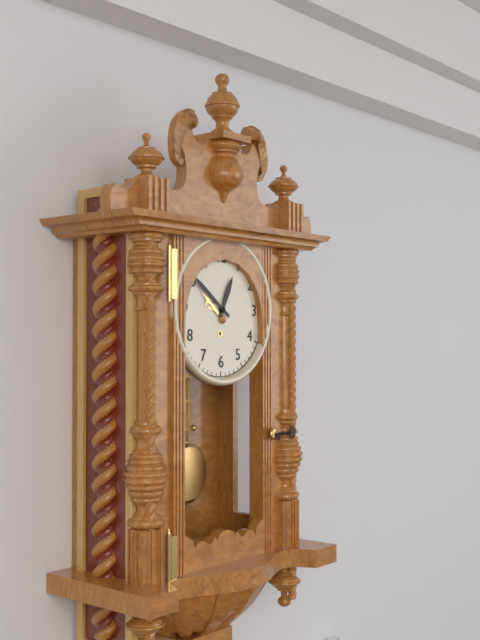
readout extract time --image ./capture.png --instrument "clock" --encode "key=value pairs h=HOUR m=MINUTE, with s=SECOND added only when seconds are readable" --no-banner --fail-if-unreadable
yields h=12 m=51
